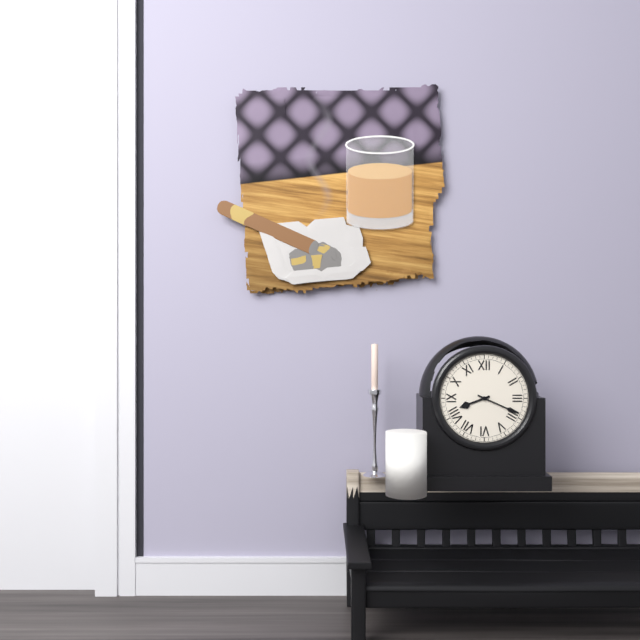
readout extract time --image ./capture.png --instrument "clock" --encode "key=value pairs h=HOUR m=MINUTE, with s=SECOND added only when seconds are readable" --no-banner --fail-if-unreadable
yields h=8 m=19
